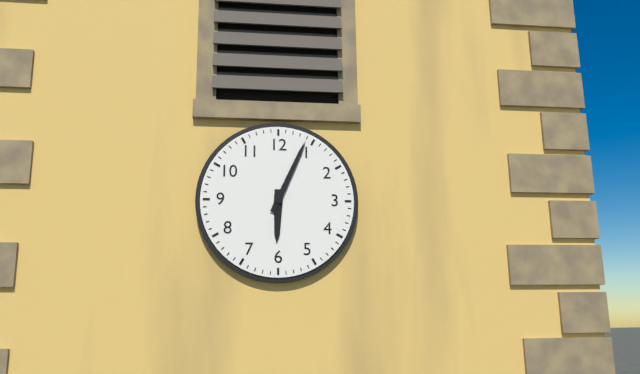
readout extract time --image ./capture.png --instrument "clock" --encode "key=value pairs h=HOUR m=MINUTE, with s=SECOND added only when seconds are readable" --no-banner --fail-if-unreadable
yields h=6 m=4
